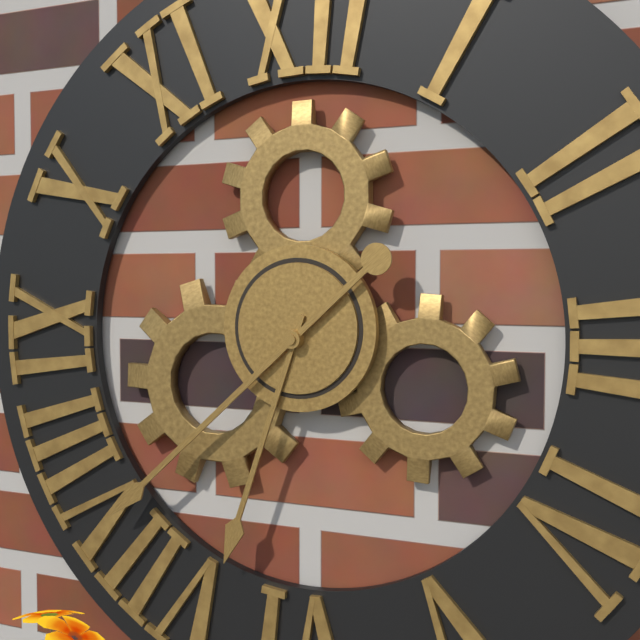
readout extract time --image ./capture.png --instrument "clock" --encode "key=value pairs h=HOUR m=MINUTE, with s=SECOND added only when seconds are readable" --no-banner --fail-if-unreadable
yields h=6 m=38
